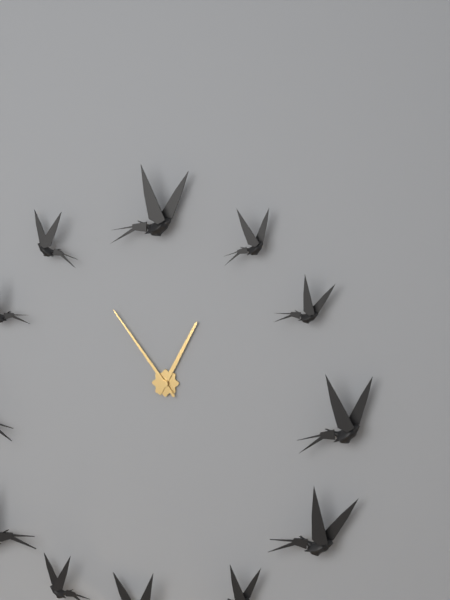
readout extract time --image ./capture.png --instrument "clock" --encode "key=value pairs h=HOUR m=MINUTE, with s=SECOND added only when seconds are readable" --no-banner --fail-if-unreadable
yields h=12 m=54
